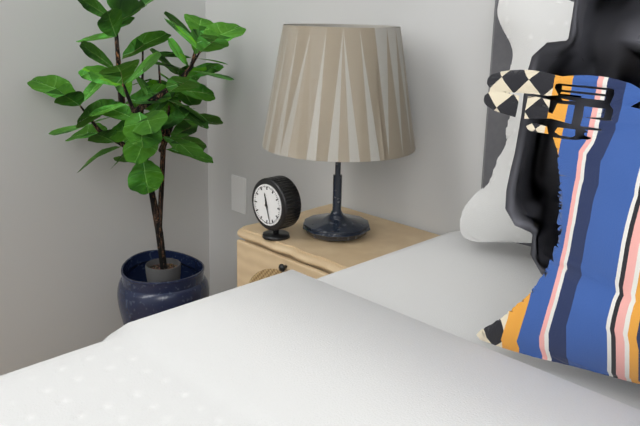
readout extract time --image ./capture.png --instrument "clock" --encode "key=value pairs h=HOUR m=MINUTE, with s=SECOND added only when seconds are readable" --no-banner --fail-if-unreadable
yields h=11 m=27
